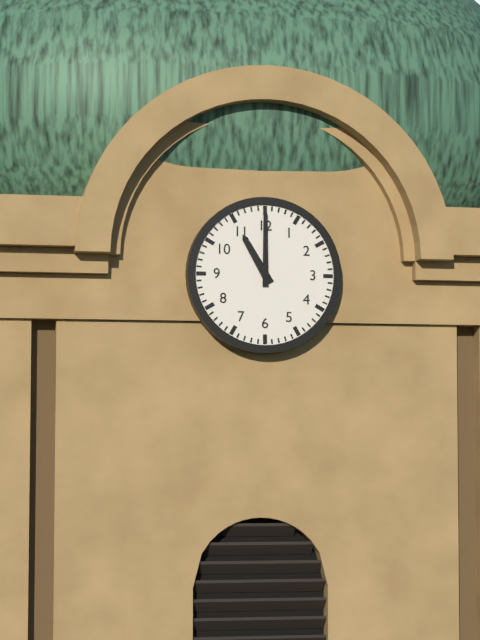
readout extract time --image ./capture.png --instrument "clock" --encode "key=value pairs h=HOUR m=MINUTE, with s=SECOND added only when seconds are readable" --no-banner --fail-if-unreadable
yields h=11 m=0
